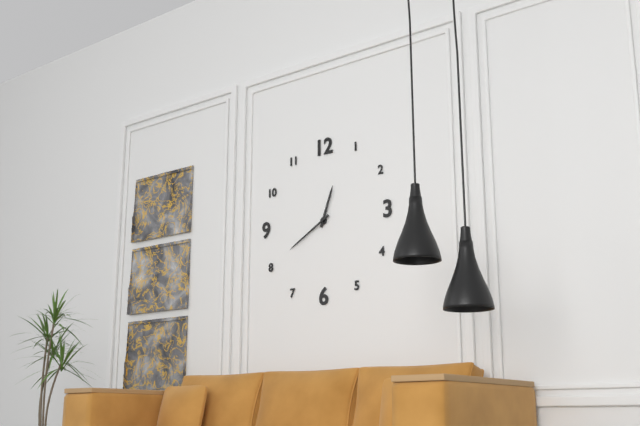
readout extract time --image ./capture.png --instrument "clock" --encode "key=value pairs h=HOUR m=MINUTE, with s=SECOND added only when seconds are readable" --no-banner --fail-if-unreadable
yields h=12 m=40
